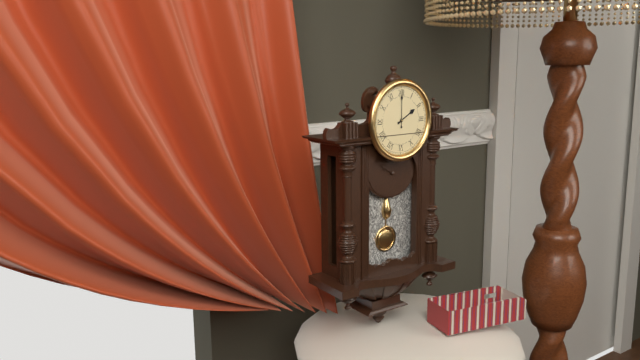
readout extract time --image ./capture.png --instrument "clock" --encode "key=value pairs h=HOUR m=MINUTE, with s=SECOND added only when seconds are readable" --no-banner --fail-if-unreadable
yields h=2 m=0
